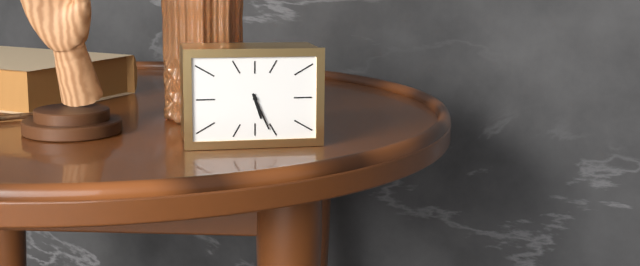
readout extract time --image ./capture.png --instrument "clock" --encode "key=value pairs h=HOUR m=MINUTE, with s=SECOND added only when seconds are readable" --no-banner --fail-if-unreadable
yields h=5 m=26
